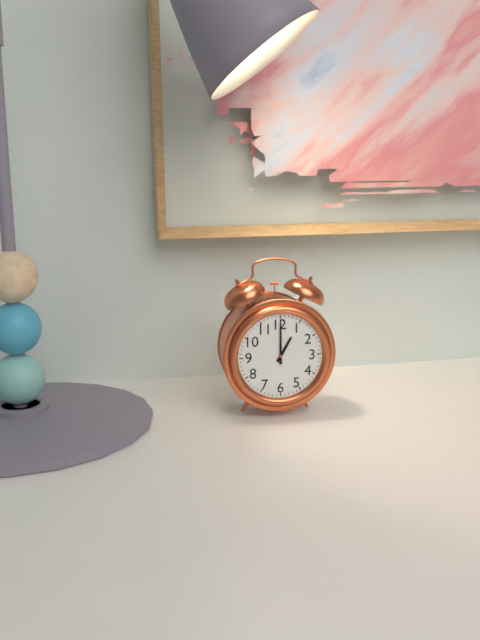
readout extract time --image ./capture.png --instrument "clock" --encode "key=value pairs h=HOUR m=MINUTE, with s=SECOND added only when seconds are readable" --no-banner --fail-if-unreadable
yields h=1 m=0
